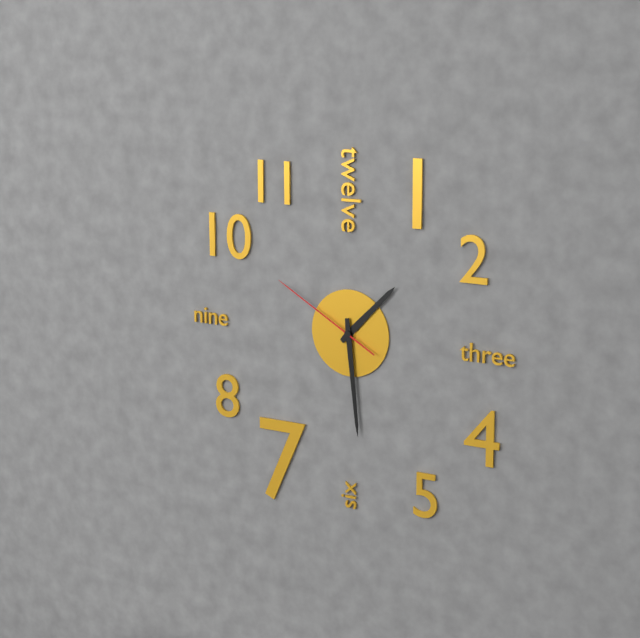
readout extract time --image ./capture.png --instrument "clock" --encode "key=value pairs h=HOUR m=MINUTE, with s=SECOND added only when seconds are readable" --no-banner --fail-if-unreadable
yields h=1 m=29 s=50
